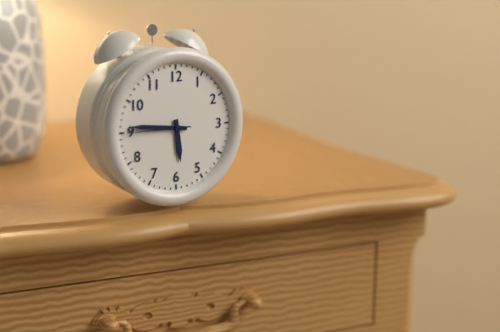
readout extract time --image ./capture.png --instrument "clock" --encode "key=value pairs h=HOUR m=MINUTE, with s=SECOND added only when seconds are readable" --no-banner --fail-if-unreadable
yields h=5 m=46 s=45
